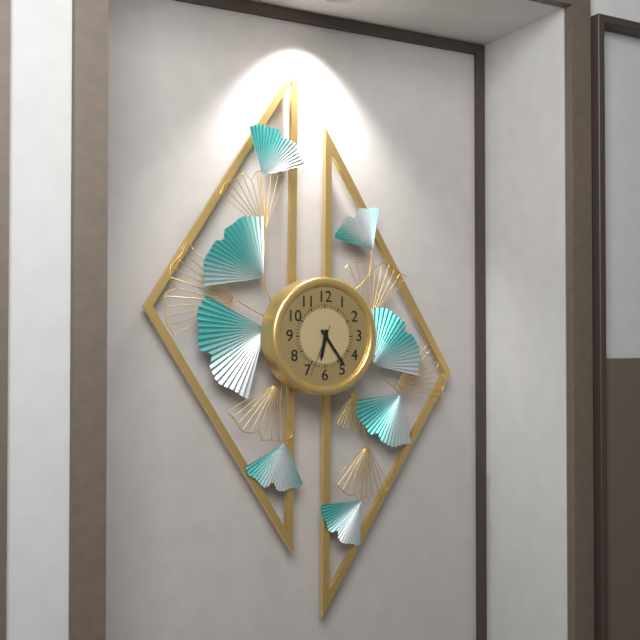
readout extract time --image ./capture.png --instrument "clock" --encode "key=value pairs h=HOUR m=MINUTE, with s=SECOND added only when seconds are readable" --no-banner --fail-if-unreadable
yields h=6 m=24 s=34
